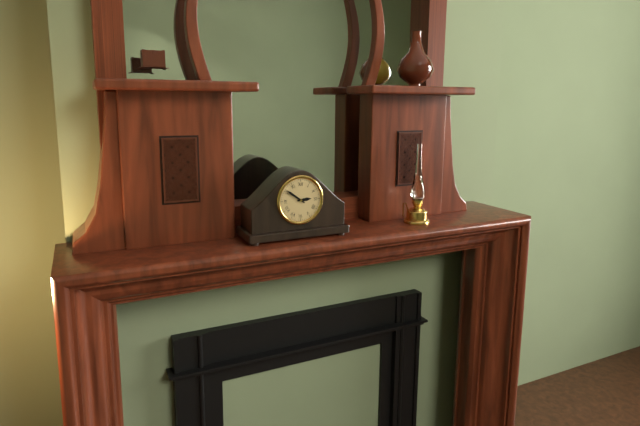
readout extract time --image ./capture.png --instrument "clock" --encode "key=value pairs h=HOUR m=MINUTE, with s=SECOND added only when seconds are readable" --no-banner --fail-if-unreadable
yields h=2 m=51
